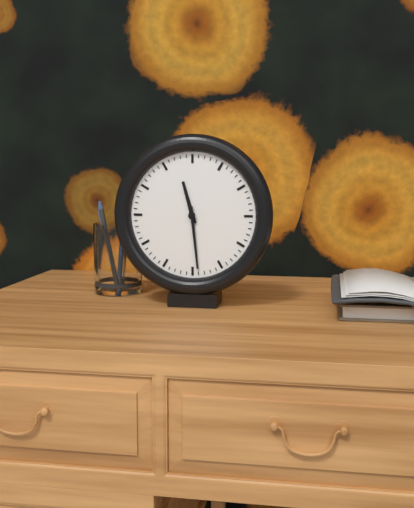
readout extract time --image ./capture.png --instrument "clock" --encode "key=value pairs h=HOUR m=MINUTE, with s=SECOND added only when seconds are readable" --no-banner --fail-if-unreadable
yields h=11 m=29
